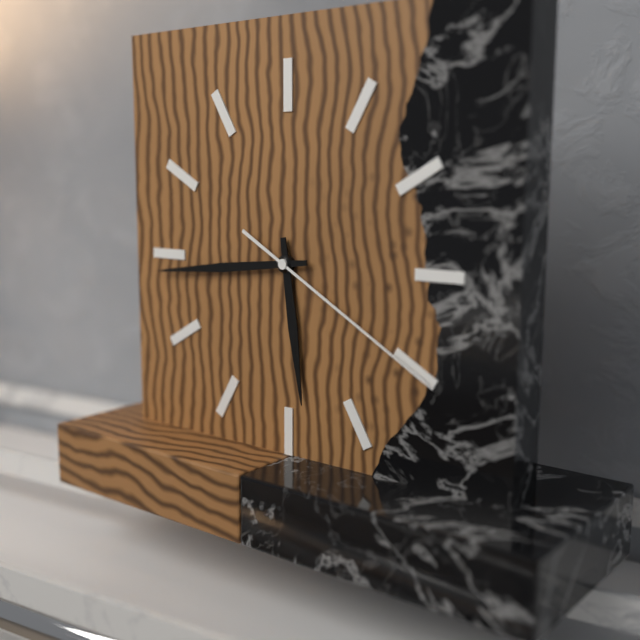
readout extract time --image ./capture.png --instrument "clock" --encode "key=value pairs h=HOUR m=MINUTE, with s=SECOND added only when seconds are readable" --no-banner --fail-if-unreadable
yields h=5 m=44 s=20
